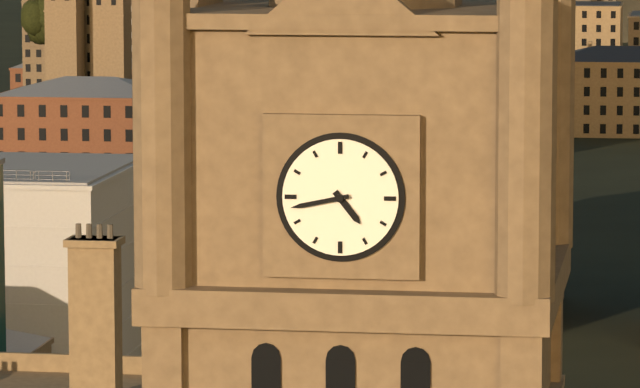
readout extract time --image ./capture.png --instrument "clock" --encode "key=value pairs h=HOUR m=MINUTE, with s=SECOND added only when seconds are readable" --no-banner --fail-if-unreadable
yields h=4 m=43
